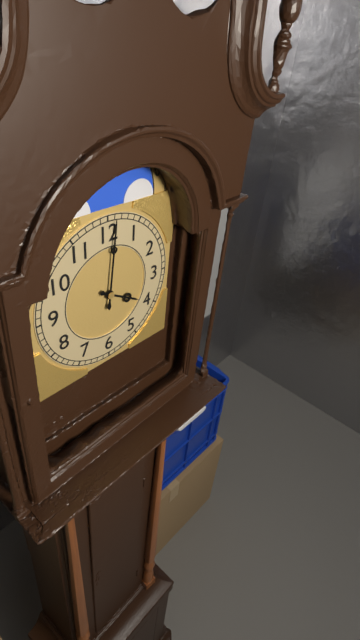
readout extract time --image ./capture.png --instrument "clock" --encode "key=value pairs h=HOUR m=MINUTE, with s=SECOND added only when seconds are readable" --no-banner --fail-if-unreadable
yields h=4 m=1
